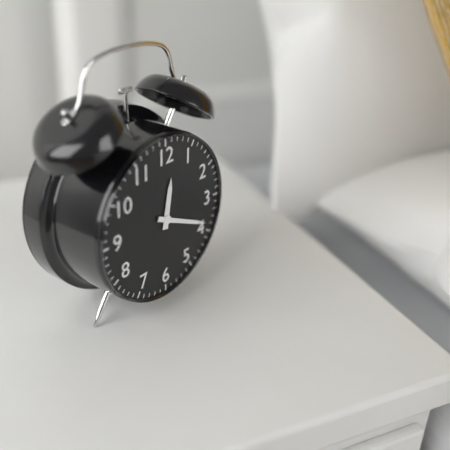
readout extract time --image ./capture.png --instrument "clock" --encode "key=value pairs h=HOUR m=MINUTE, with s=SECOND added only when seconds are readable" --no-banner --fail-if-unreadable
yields h=12 m=19
